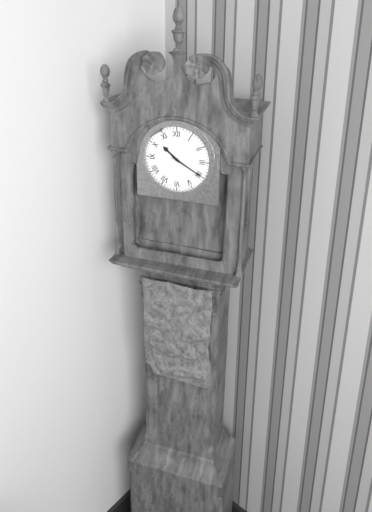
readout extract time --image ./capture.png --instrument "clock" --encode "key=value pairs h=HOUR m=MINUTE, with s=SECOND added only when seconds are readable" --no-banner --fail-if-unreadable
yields h=10 m=20
